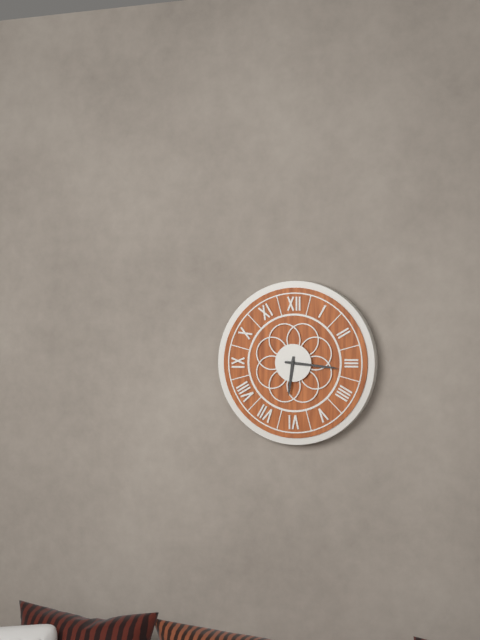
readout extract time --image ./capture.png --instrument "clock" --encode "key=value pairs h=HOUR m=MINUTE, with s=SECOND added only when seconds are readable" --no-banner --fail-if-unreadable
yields h=6 m=16
